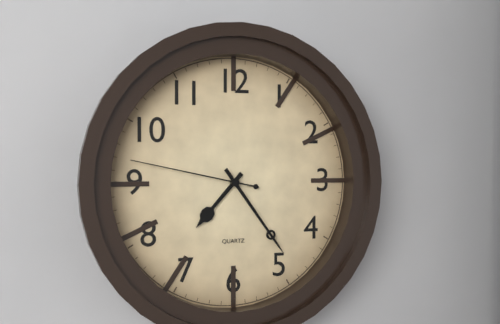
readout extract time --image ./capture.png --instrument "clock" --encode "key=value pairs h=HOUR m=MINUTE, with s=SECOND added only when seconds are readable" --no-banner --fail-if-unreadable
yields h=7 m=24 s=47
